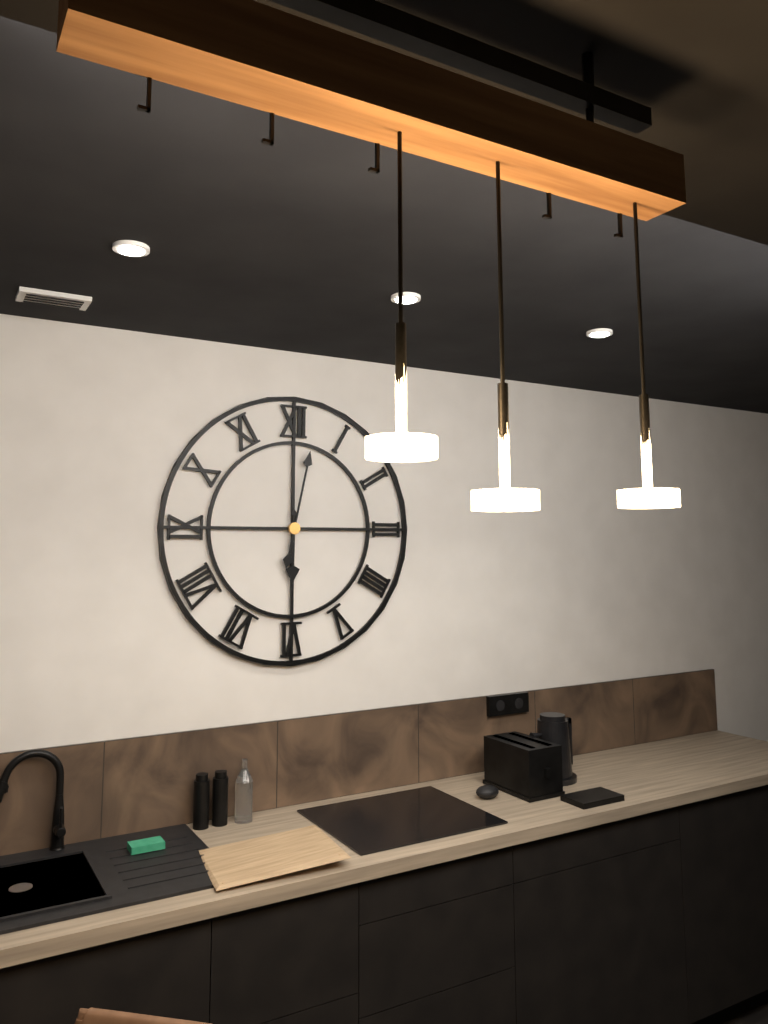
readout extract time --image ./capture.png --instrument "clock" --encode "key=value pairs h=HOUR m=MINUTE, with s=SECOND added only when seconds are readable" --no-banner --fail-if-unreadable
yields h=6 m=2
